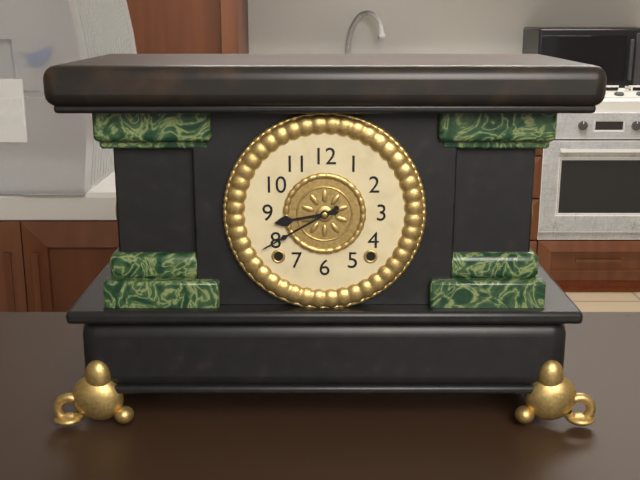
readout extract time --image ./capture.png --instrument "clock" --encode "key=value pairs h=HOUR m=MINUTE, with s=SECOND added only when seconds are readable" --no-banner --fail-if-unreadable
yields h=8 m=40
